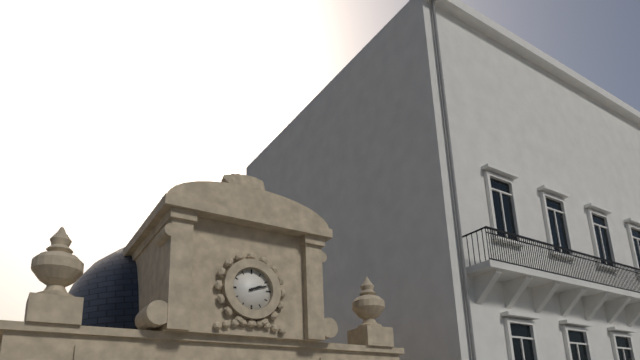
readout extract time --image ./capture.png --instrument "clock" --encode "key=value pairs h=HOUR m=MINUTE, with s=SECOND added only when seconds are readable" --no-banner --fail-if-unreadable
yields h=2 m=12
